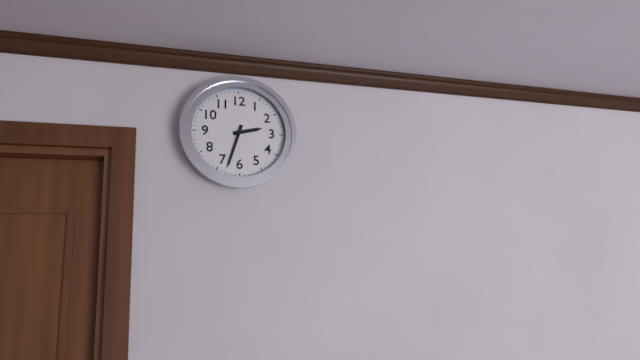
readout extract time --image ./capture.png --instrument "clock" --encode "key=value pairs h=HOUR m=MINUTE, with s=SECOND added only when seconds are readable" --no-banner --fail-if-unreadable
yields h=2 m=33
